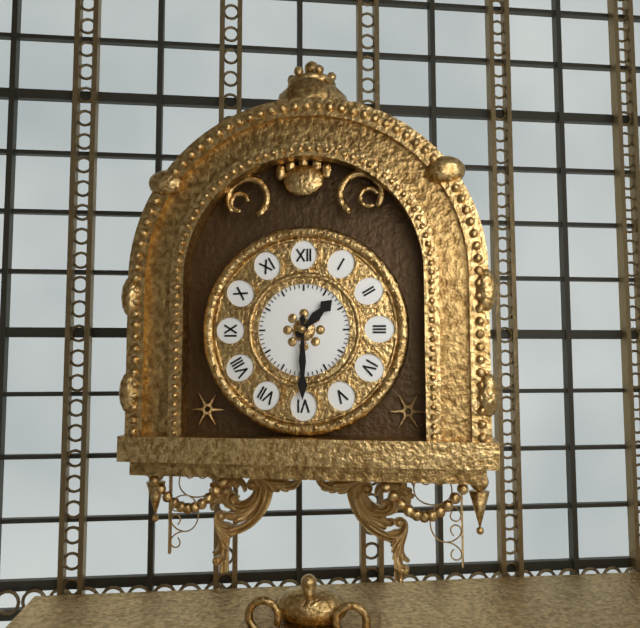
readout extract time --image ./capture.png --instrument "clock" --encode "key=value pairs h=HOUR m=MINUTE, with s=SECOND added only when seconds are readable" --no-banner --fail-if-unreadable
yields h=1 m=30
